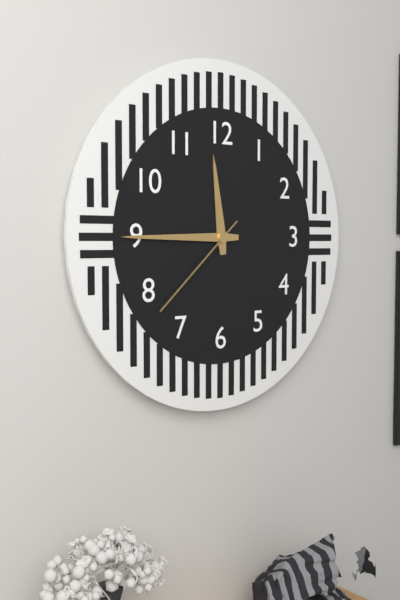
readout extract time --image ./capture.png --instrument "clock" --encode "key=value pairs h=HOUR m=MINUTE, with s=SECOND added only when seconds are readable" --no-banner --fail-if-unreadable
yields h=11 m=45 s=38
